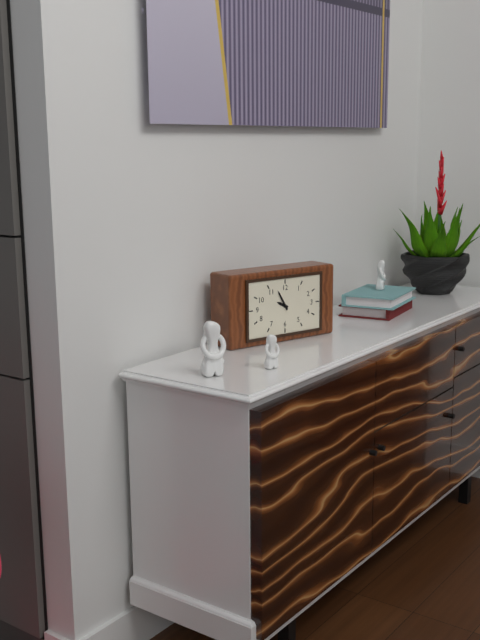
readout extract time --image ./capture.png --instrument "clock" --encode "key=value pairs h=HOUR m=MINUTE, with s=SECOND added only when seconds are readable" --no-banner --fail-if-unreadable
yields h=9 m=55
